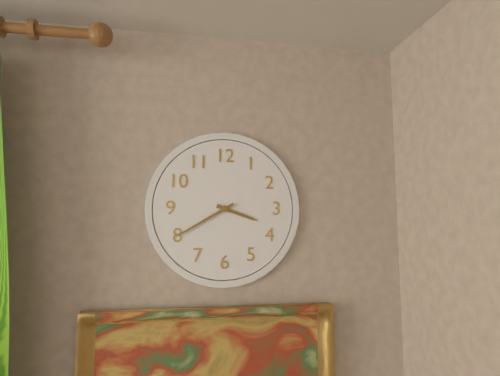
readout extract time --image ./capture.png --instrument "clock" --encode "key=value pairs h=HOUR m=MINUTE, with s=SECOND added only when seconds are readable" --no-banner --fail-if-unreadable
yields h=3 m=40
